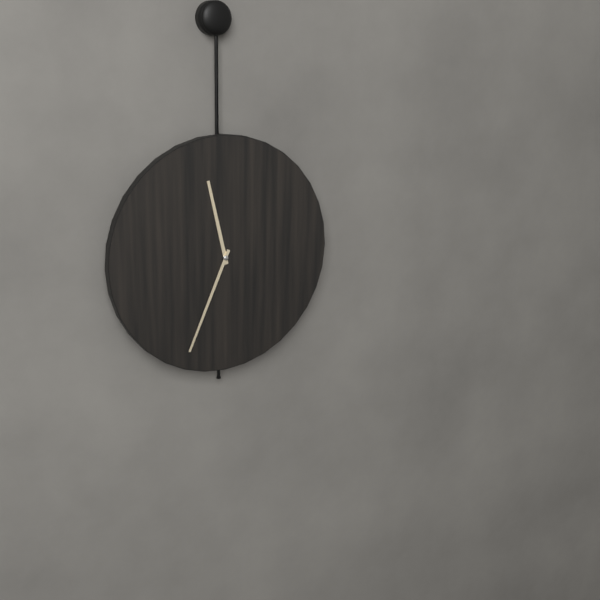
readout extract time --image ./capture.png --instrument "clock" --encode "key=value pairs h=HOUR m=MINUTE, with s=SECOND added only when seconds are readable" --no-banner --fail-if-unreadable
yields h=11 m=34
